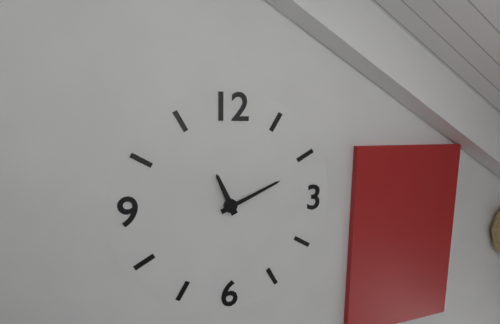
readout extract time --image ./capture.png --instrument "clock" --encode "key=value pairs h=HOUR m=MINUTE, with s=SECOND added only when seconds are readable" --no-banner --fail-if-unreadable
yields h=11 m=11
